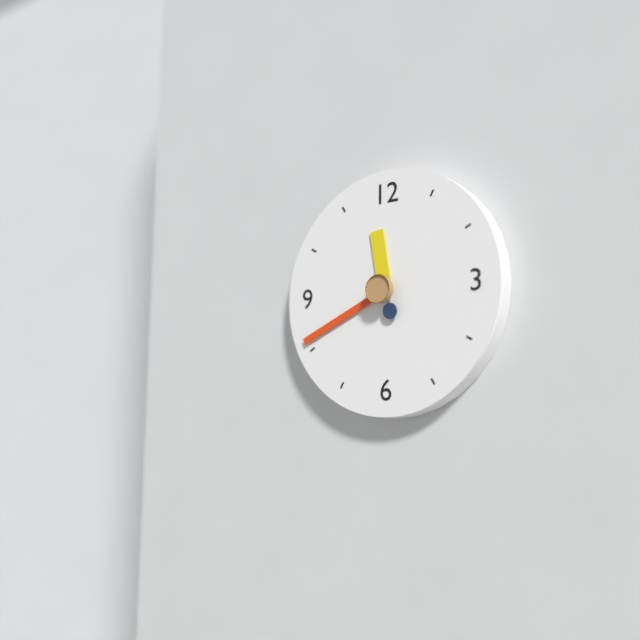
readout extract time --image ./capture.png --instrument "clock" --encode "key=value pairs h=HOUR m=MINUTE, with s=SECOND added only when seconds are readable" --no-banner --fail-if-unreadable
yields h=11 m=41
